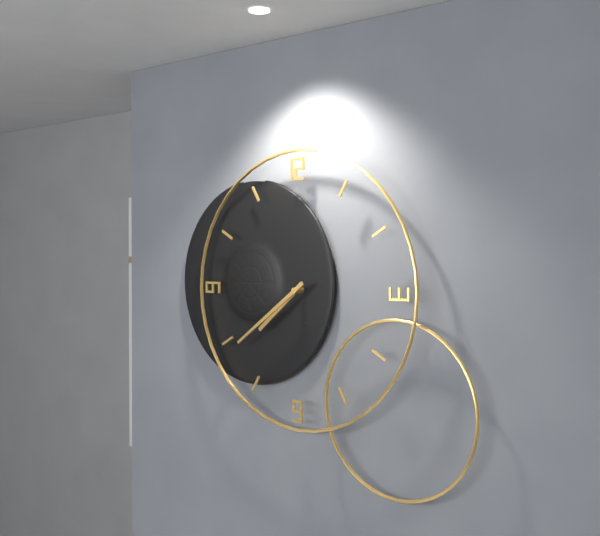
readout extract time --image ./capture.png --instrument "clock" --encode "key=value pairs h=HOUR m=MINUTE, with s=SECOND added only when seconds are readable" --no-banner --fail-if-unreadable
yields h=7 m=39
